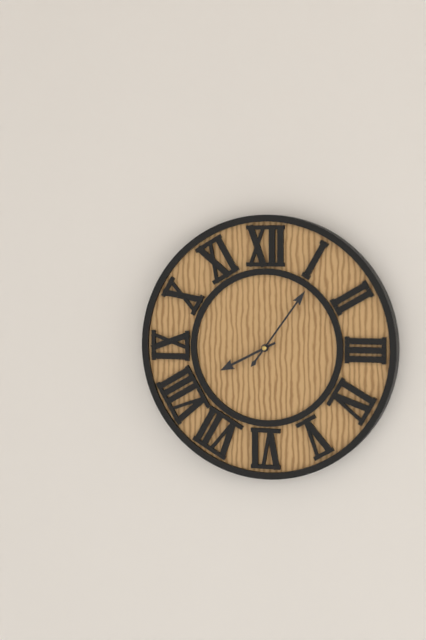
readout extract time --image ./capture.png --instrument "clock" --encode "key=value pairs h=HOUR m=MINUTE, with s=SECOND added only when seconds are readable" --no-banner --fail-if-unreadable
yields h=8 m=6
